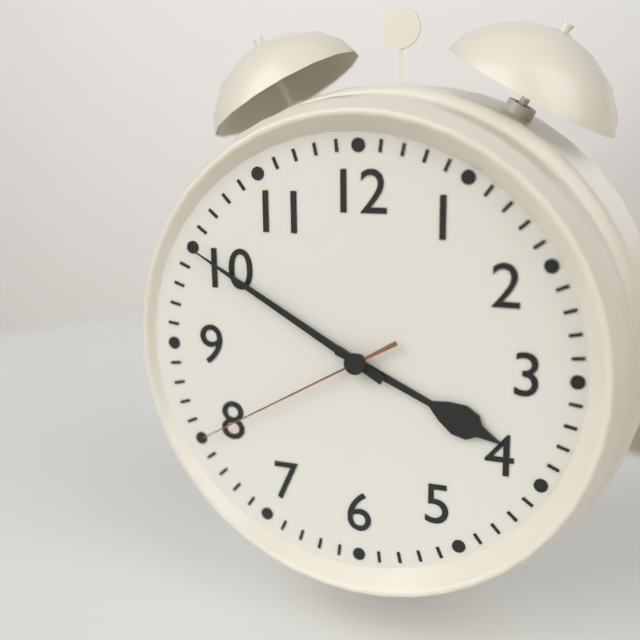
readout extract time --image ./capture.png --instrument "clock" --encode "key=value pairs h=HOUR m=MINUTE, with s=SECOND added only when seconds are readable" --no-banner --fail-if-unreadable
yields h=3 m=50 s=40
